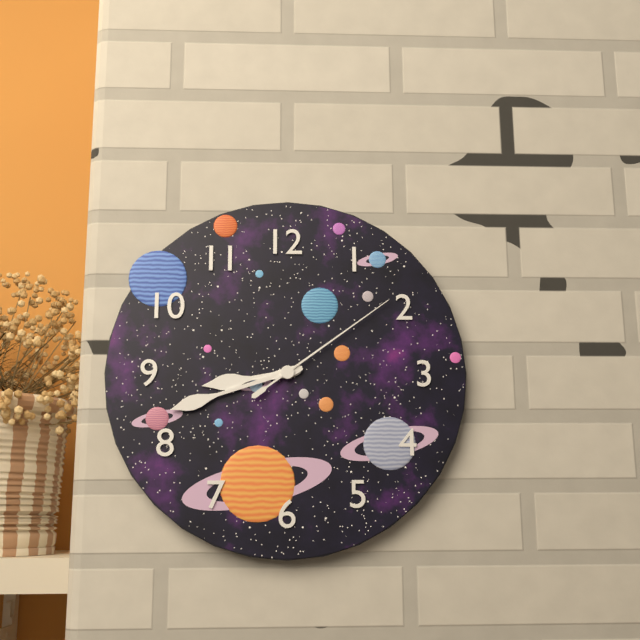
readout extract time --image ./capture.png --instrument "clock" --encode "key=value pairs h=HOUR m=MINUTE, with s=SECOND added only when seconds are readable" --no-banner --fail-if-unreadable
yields h=8 m=42 s=9
